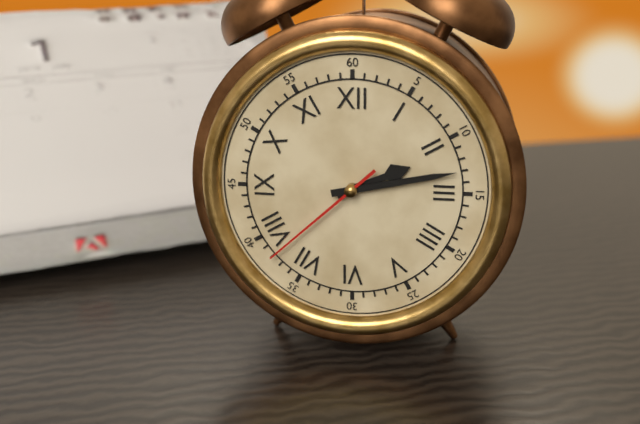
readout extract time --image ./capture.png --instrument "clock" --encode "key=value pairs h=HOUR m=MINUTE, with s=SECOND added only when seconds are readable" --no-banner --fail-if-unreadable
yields h=2 m=13 s=38
